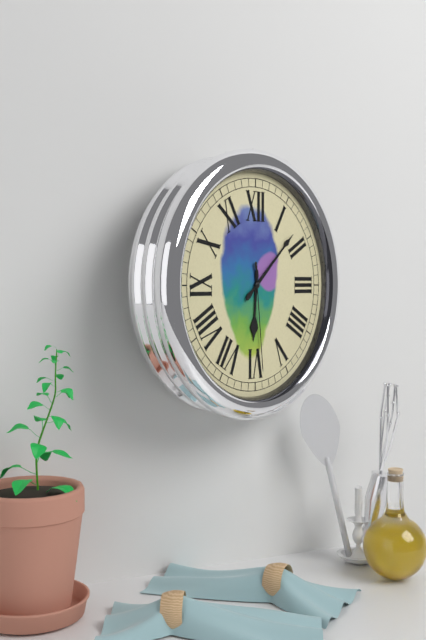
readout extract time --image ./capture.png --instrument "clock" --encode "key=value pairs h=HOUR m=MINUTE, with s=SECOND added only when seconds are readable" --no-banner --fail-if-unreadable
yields h=6 m=8 s=29
